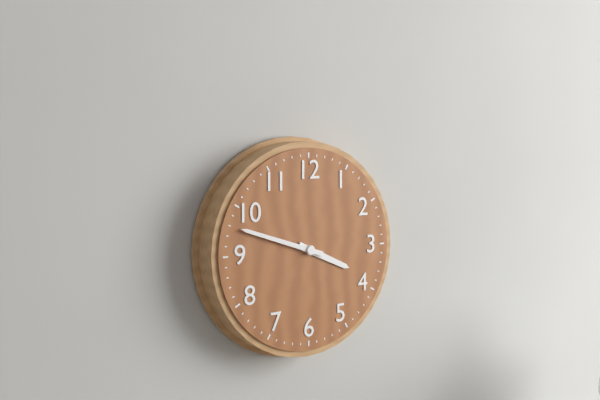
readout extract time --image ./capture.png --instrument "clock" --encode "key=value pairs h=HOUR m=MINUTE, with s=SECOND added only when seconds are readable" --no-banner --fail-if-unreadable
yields h=3 m=48
